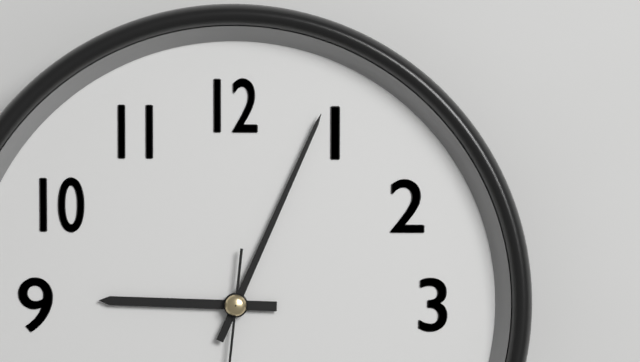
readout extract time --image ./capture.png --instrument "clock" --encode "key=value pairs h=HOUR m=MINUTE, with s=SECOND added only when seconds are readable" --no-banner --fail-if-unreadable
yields h=9 m=4
